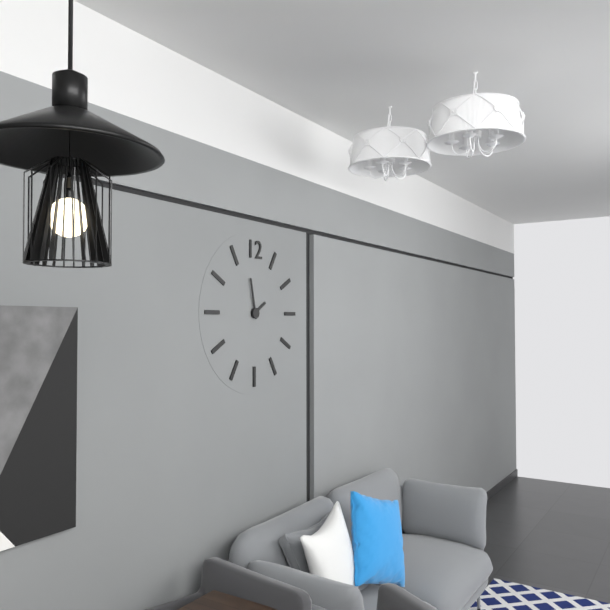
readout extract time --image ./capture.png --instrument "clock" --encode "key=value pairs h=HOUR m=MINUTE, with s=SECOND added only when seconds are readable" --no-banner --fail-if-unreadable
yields h=1 m=58
